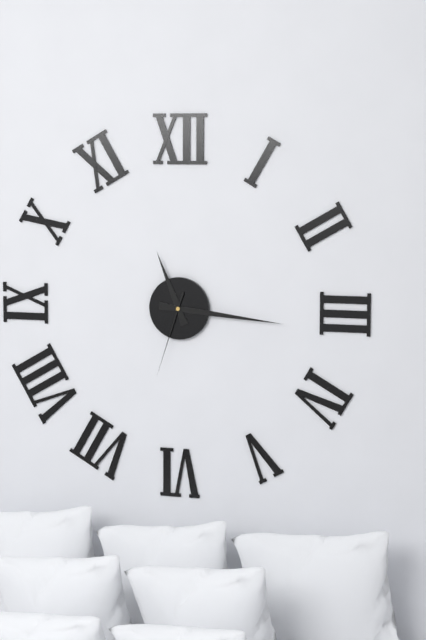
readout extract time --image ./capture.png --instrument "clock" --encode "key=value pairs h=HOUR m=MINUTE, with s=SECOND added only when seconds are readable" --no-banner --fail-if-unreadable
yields h=11 m=16 s=33
